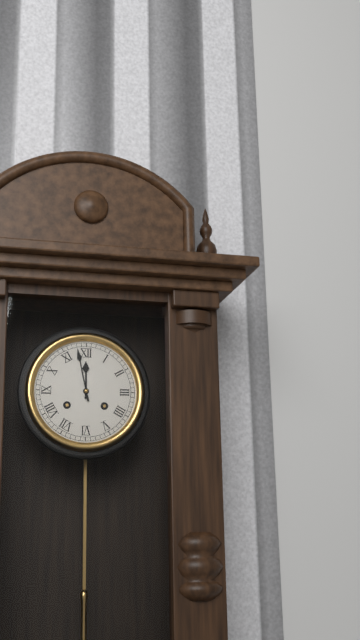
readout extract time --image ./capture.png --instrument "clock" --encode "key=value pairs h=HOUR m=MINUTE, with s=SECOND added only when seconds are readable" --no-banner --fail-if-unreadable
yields h=11 m=58
